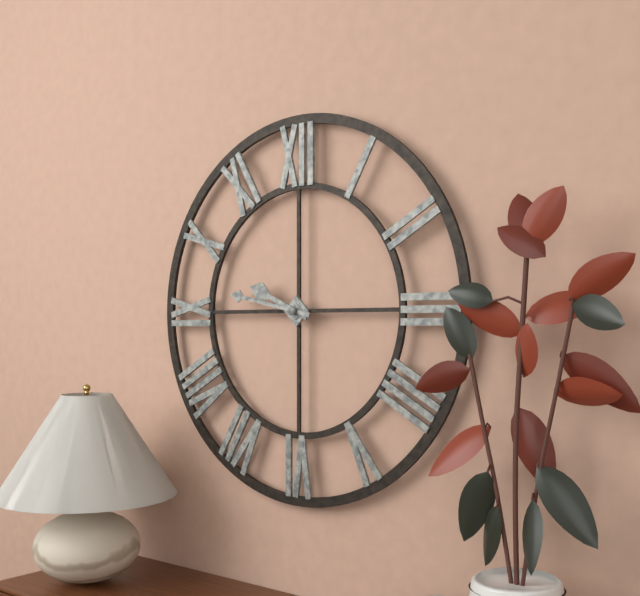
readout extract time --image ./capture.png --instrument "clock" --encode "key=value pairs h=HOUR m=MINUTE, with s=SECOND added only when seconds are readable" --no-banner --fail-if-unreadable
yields h=9 m=47
